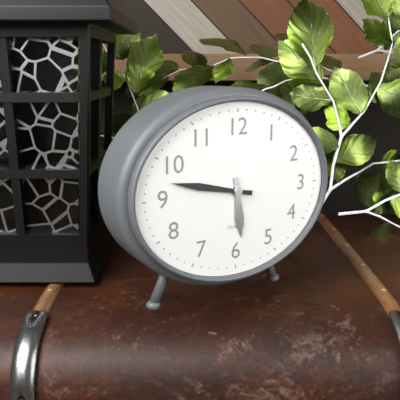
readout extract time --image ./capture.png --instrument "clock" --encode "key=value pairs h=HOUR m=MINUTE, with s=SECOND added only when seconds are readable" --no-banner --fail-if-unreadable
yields h=5 m=47
